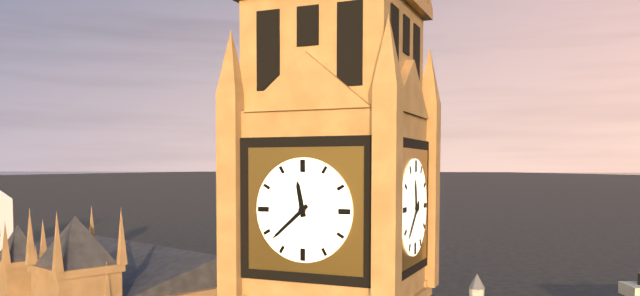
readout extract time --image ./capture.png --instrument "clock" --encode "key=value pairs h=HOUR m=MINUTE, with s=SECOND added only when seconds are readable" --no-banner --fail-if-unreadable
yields h=11 m=38
